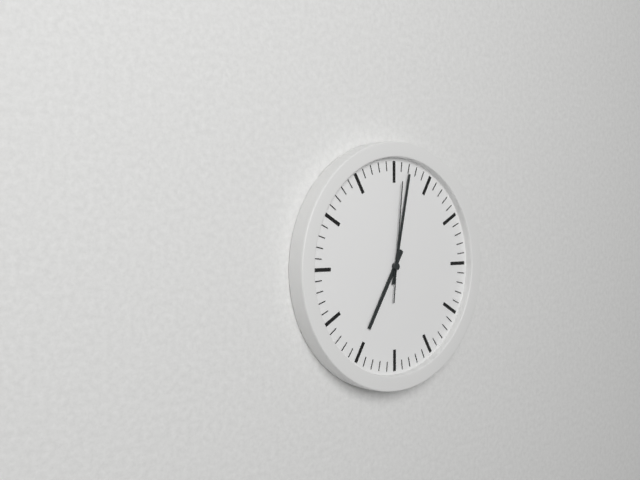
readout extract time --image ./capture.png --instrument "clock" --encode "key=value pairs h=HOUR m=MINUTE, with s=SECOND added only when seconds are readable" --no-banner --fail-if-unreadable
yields h=7 m=2 s=1
